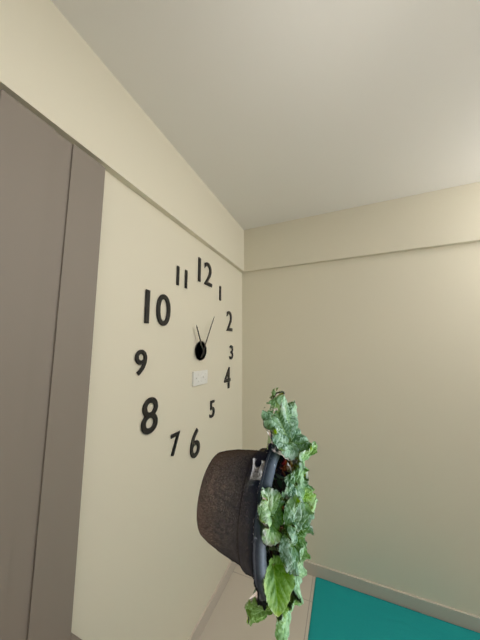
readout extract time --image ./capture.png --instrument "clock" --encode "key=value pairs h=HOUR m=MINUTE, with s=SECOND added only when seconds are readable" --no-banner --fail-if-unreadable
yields h=11 m=5
